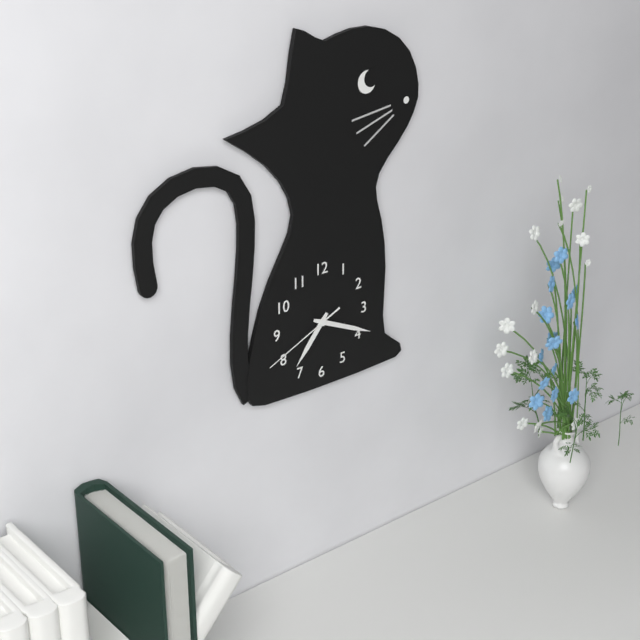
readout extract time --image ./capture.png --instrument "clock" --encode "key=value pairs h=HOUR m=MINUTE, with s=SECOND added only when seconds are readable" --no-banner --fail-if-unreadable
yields h=7 m=19 s=41
